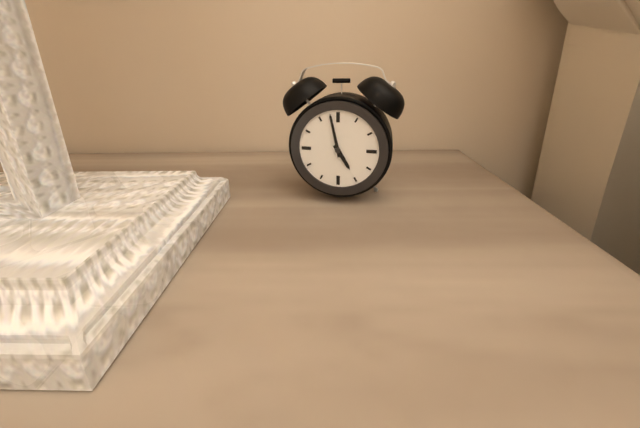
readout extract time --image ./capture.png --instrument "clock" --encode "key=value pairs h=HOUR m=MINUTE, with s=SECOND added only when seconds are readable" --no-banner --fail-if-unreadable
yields h=4 m=58
